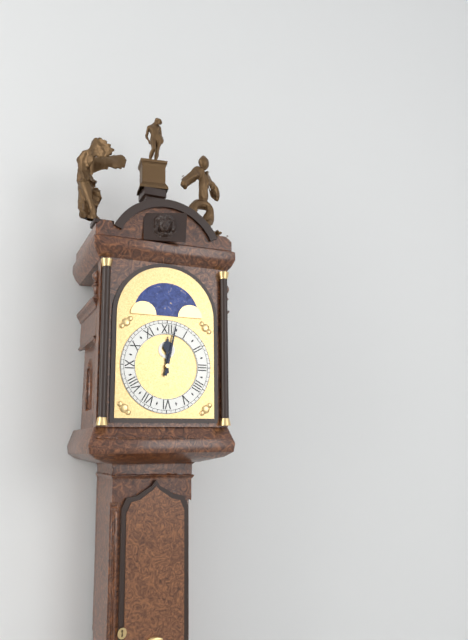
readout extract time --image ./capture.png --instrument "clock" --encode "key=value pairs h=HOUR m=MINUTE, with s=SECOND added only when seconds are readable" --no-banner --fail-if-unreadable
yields h=12 m=2
